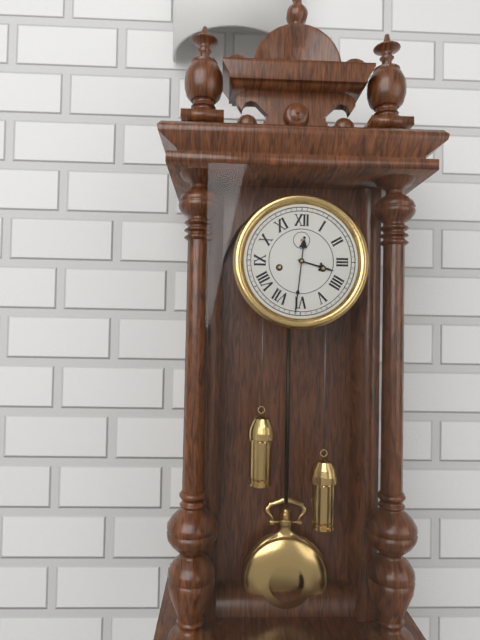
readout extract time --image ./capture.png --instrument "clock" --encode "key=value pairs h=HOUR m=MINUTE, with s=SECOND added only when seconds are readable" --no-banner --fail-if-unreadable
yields h=3 m=31
